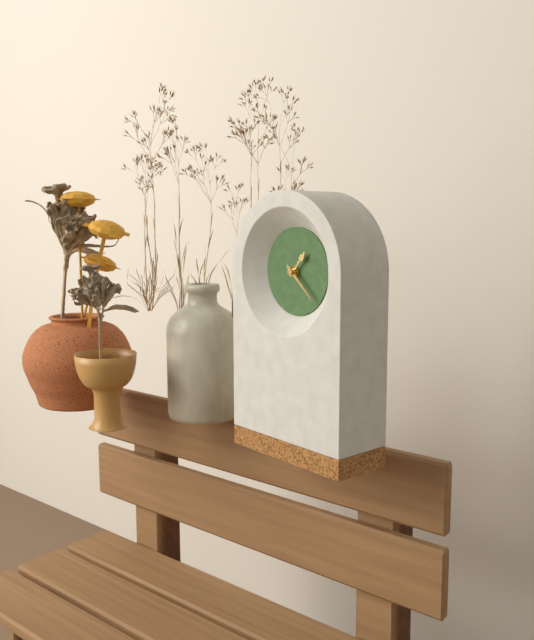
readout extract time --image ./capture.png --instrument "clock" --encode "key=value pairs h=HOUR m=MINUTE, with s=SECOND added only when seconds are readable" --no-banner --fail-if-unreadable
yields h=1 m=22
